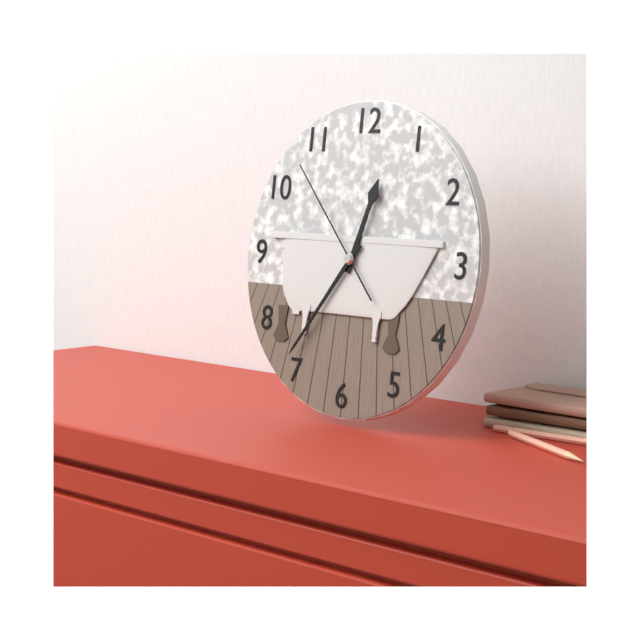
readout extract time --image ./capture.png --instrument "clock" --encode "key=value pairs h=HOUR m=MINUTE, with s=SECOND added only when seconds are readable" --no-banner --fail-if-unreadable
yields h=12 m=36 s=53
